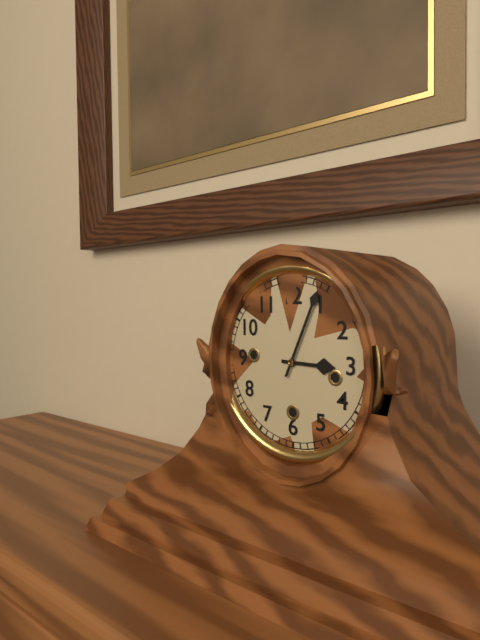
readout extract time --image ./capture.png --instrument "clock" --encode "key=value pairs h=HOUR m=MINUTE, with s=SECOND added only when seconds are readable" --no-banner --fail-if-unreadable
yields h=3 m=4
